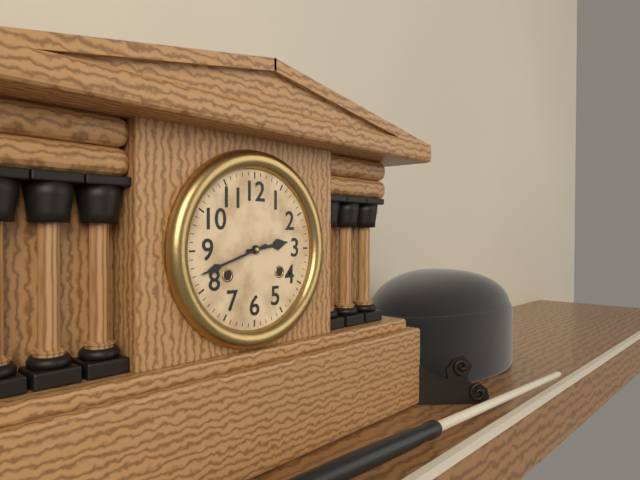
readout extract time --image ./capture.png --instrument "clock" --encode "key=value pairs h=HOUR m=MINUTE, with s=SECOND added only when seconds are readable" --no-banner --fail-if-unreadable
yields h=2 m=42
